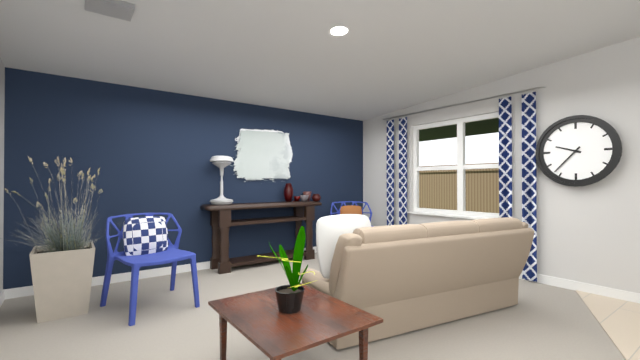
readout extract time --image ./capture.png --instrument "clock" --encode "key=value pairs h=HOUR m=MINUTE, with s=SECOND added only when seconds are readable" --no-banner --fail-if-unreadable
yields h=9 m=37
